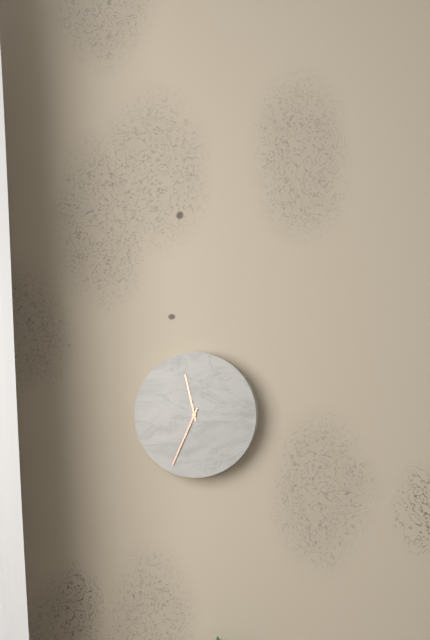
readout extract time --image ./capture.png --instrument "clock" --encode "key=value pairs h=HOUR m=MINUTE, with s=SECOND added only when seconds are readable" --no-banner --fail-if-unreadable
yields h=11 m=34
